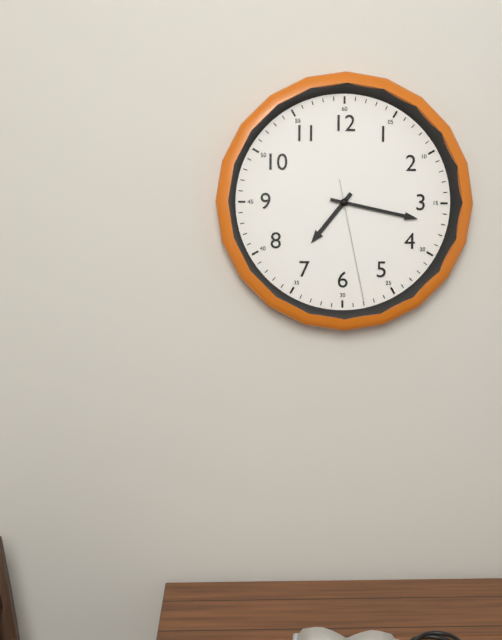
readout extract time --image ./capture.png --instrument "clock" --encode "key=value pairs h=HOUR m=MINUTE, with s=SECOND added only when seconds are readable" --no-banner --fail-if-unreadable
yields h=7 m=17 s=28
